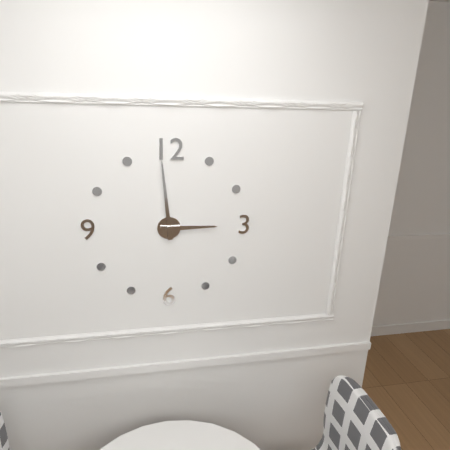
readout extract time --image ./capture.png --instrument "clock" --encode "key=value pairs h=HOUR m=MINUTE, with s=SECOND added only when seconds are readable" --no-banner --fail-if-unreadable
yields h=2 m=59
